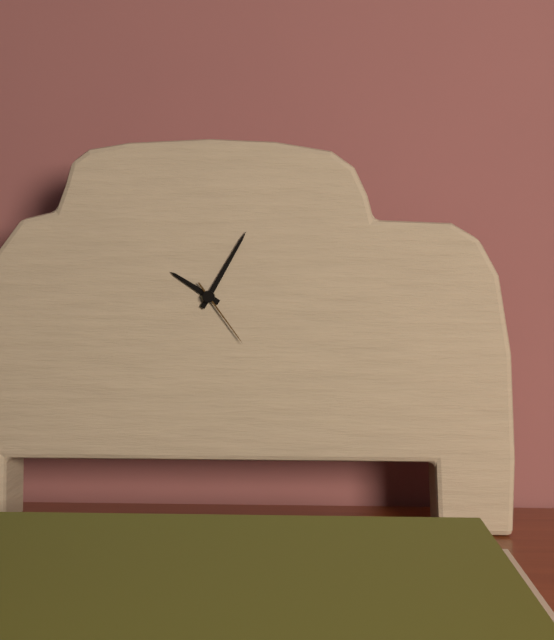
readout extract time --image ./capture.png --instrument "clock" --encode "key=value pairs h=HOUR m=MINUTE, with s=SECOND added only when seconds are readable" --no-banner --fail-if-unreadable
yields h=10 m=5 s=24
